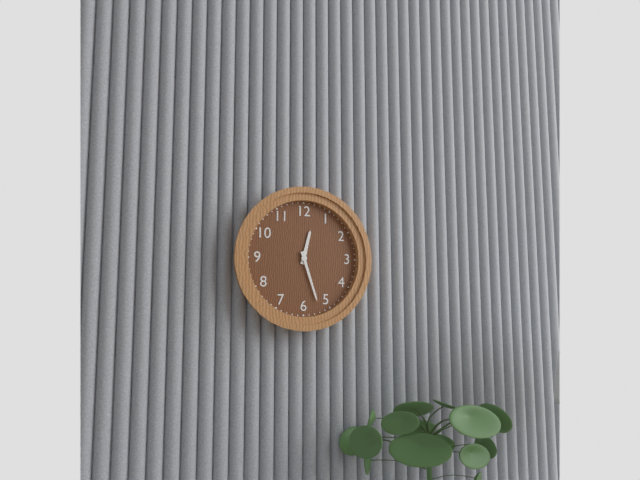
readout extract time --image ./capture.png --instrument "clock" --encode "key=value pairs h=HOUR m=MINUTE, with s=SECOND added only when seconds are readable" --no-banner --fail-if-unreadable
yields h=12 m=27
